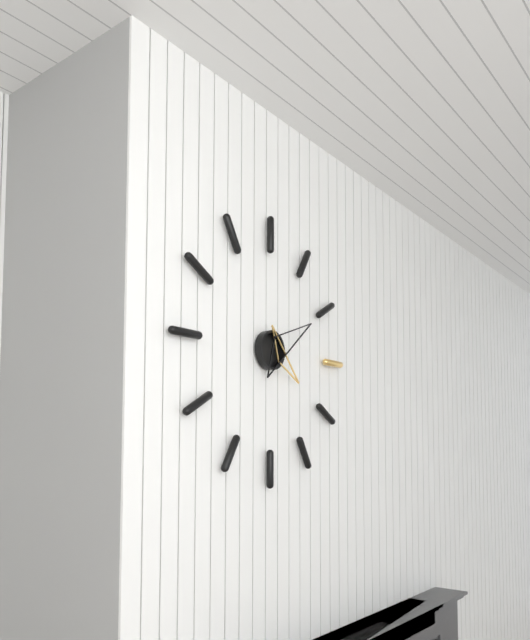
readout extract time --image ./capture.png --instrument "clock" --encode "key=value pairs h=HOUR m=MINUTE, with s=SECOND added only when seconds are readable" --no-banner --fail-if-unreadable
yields h=4 m=10
